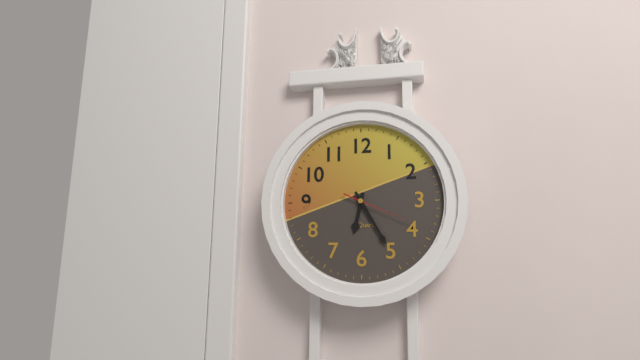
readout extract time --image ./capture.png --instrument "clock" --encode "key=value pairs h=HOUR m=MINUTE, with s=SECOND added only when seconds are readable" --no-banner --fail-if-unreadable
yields h=6 m=25 s=19
